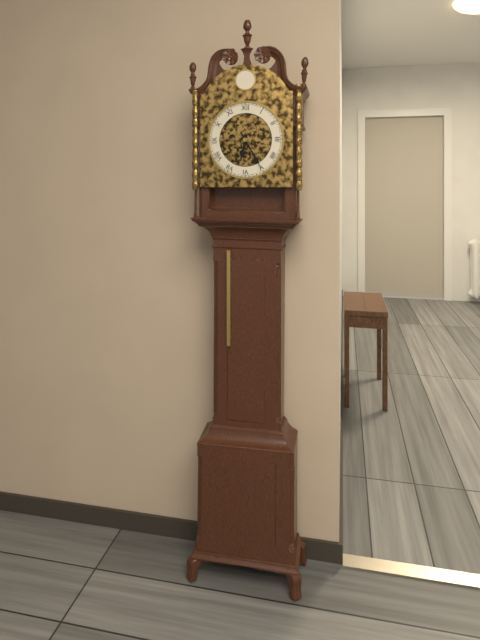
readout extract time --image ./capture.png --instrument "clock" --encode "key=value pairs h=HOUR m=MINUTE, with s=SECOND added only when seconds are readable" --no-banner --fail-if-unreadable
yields h=6 m=25
